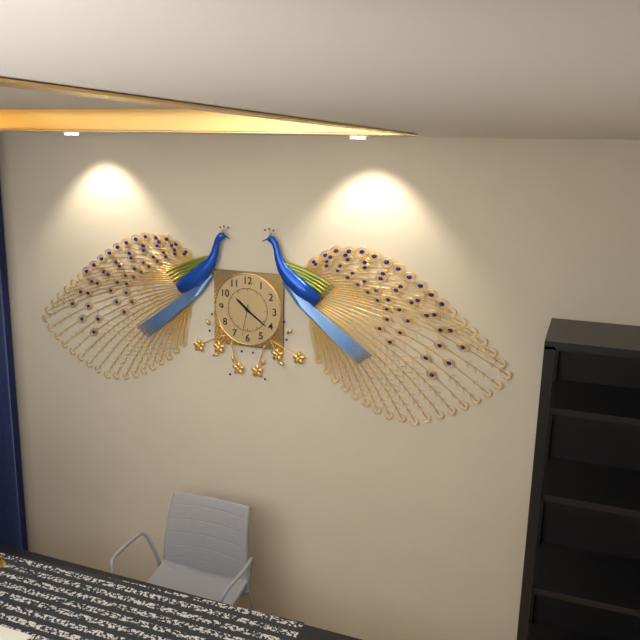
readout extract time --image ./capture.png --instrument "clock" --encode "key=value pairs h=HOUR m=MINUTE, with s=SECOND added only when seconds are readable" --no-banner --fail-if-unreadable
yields h=10 m=21
